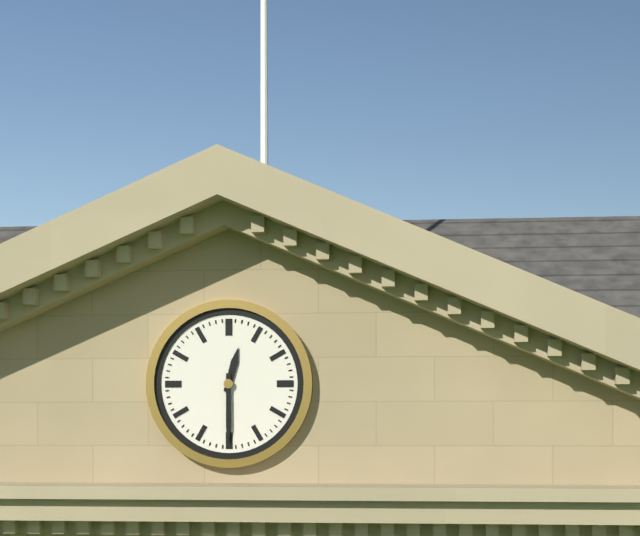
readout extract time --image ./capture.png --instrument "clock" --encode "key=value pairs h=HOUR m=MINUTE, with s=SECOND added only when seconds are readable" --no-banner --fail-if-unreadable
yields h=12 m=30
